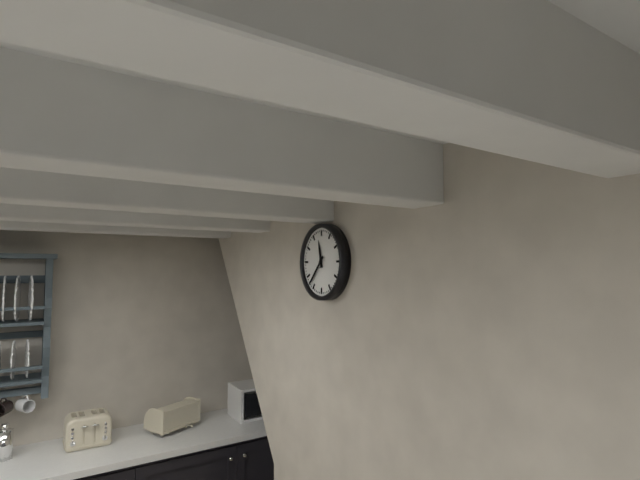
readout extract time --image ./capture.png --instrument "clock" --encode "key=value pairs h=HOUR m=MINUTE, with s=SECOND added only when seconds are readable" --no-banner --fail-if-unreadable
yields h=11 m=37
